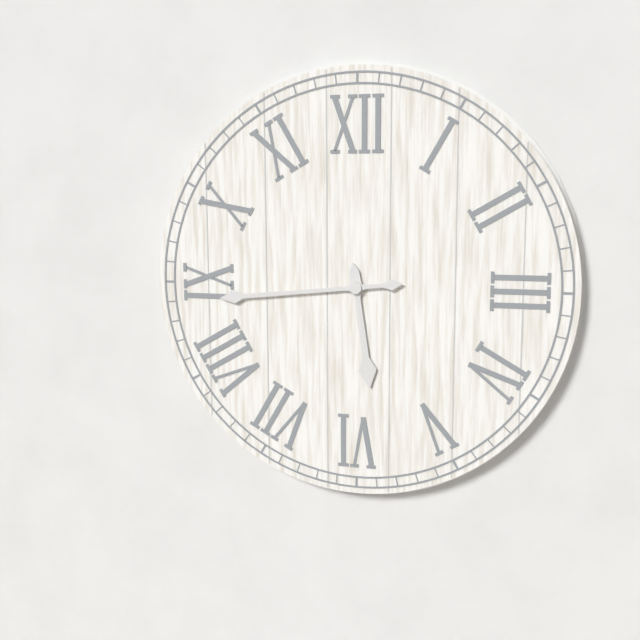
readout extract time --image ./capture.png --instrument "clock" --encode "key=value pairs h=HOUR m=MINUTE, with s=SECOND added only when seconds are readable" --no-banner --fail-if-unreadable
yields h=5 m=44
